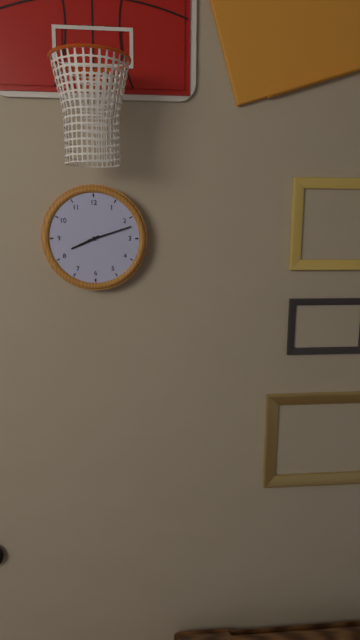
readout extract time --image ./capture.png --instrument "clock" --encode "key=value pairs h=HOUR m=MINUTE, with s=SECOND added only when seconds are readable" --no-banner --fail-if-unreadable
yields h=8 m=12
